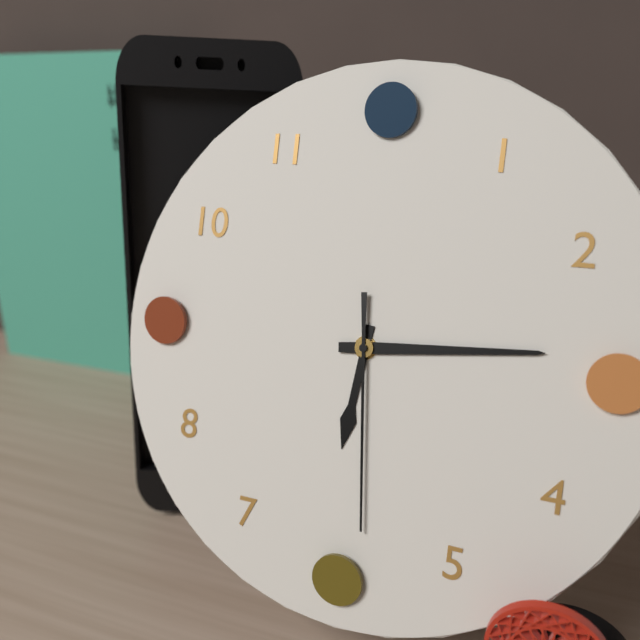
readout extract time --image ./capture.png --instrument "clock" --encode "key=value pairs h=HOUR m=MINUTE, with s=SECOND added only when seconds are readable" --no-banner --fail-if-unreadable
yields h=6 m=14 s=29
